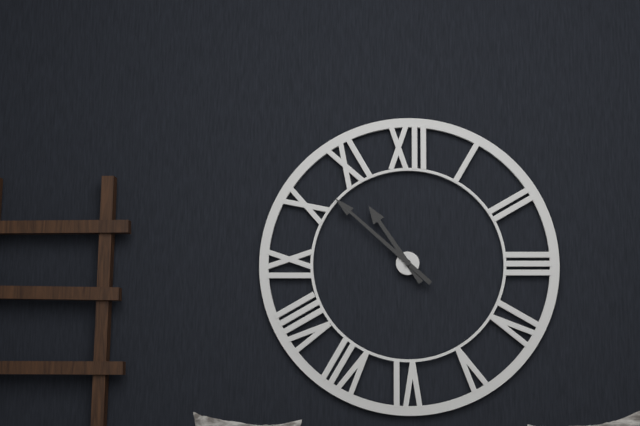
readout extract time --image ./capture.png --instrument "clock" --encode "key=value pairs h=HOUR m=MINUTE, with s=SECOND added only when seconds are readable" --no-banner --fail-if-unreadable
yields h=10 m=52
